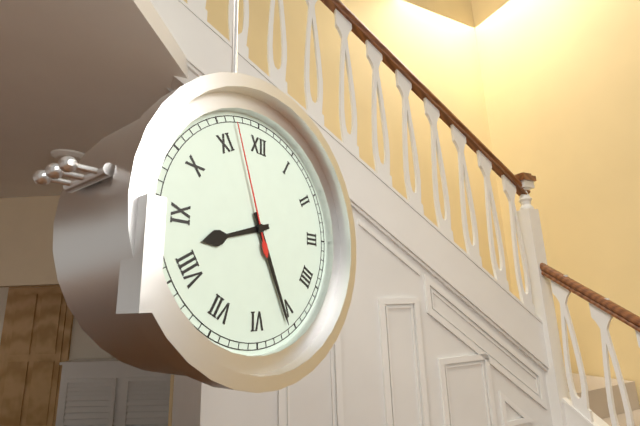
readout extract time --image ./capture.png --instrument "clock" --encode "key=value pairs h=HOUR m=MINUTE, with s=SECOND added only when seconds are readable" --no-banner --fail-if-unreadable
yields h=8 m=26 s=57
